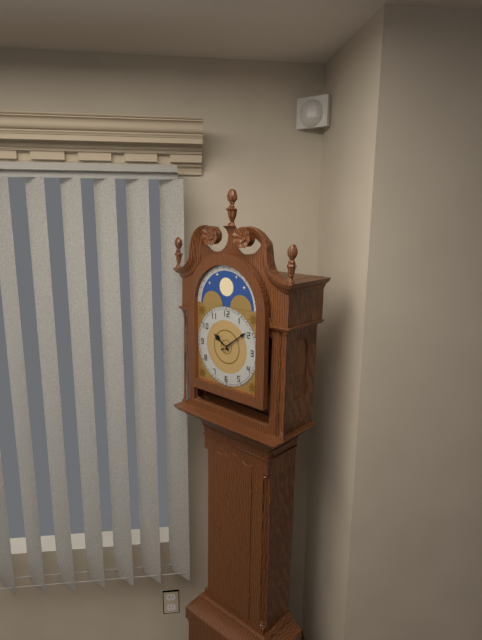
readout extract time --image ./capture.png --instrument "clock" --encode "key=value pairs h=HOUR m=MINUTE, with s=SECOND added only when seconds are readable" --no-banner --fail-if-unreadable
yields h=10 m=9
